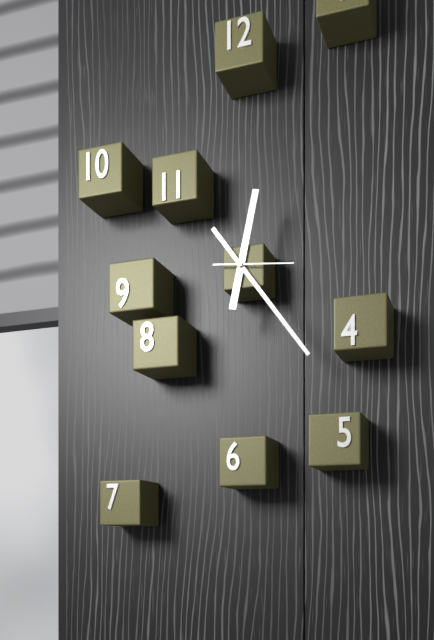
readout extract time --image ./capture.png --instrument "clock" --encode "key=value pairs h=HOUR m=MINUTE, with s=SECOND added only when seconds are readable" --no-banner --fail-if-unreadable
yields h=12 m=24 s=16
